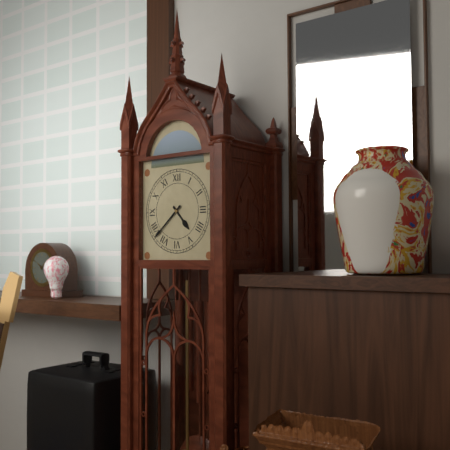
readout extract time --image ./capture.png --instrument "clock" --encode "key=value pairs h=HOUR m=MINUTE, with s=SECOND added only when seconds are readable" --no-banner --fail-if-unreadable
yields h=4 m=38
